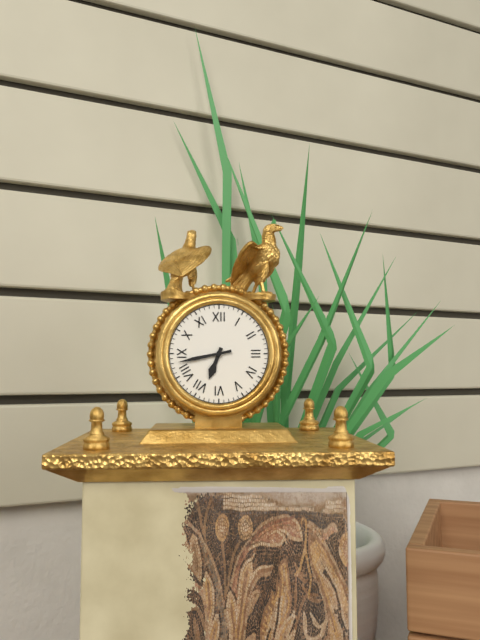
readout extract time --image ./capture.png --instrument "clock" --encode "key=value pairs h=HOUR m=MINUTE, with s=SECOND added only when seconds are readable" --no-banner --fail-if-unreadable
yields h=6 m=43
